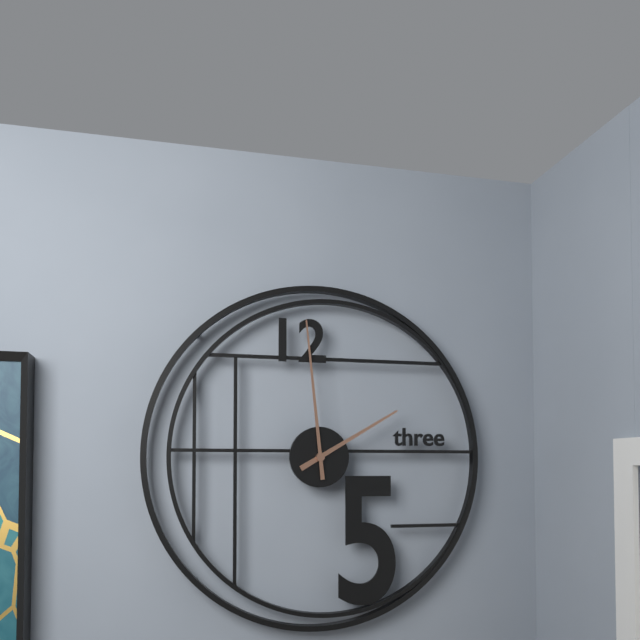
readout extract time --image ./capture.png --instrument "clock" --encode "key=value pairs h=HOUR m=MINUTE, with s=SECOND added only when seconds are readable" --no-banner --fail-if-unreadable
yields h=1 m=59
